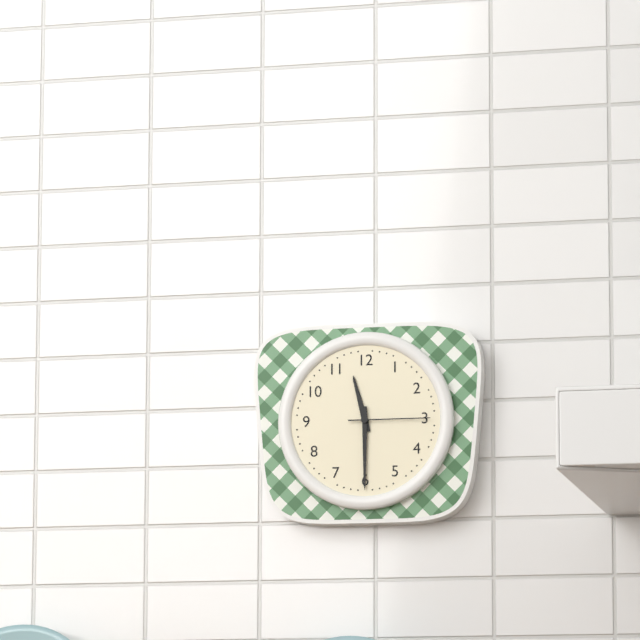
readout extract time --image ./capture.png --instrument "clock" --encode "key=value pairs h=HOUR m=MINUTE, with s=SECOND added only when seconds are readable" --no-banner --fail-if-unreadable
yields h=11 m=30 s=15
